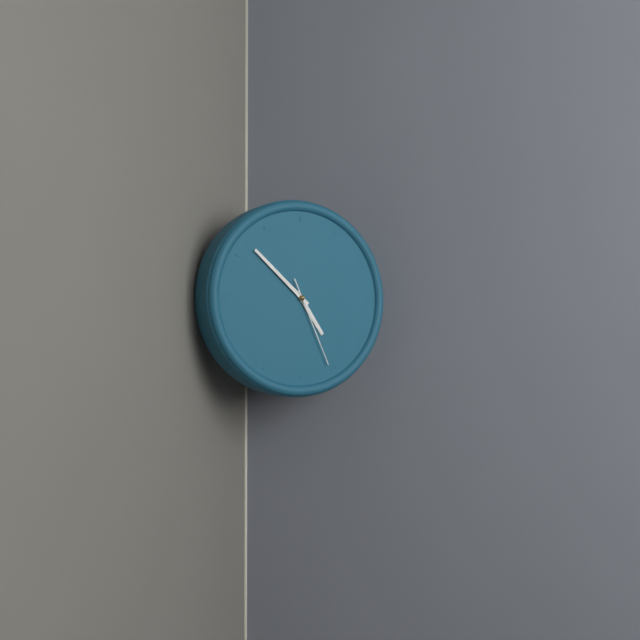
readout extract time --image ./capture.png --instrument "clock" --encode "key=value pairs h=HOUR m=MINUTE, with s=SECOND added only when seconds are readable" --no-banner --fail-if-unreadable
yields h=4 m=52 s=26
